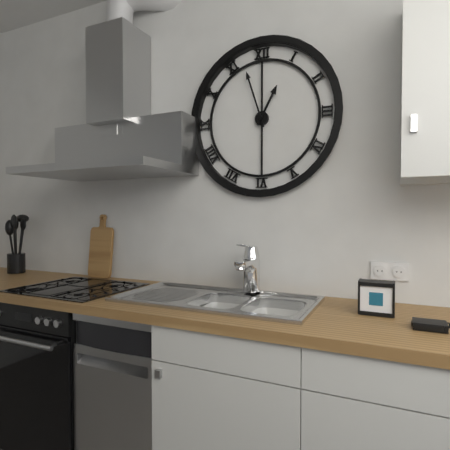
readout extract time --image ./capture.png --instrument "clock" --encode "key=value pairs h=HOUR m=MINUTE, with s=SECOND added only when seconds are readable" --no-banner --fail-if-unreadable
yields h=12 m=57
